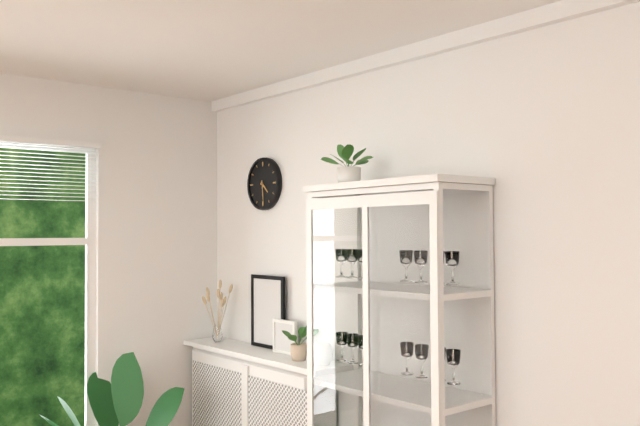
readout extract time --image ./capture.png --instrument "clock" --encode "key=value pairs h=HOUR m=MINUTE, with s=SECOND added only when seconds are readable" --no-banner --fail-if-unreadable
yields h=4 m=29
